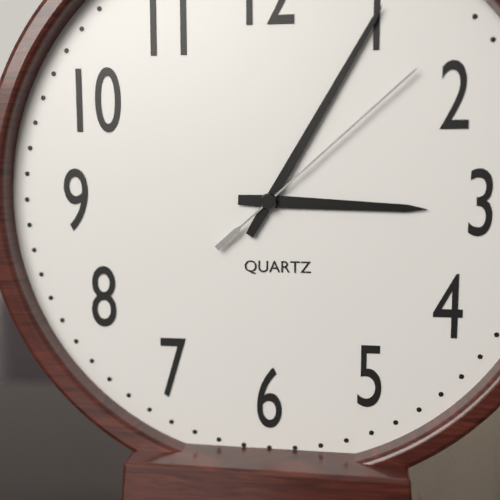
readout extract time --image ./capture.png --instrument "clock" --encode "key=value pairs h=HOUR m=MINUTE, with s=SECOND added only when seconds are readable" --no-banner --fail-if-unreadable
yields h=3 m=5 s=8
